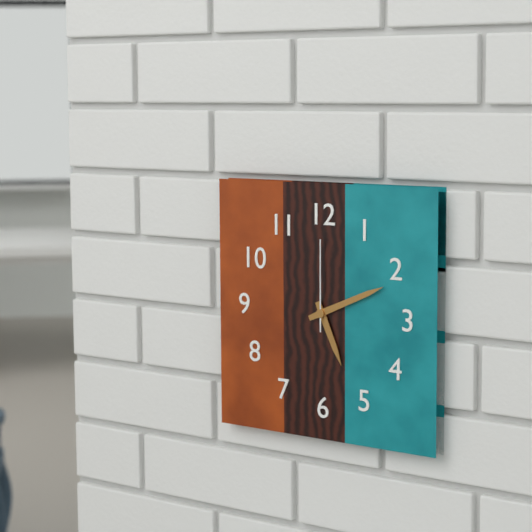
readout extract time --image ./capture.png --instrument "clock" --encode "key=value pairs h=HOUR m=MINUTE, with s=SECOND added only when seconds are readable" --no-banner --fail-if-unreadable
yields h=5 m=11 s=0
